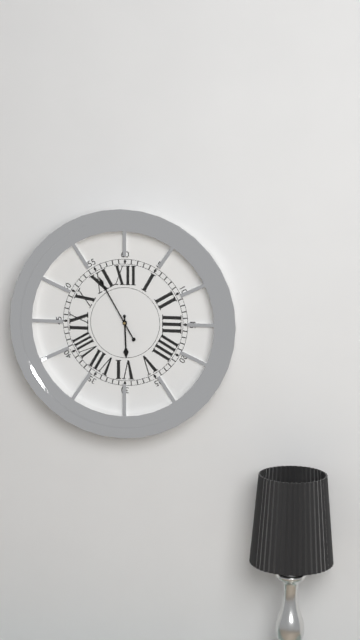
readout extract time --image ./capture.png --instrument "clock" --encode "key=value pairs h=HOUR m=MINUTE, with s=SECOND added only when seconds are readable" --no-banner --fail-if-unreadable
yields h=5 m=55
